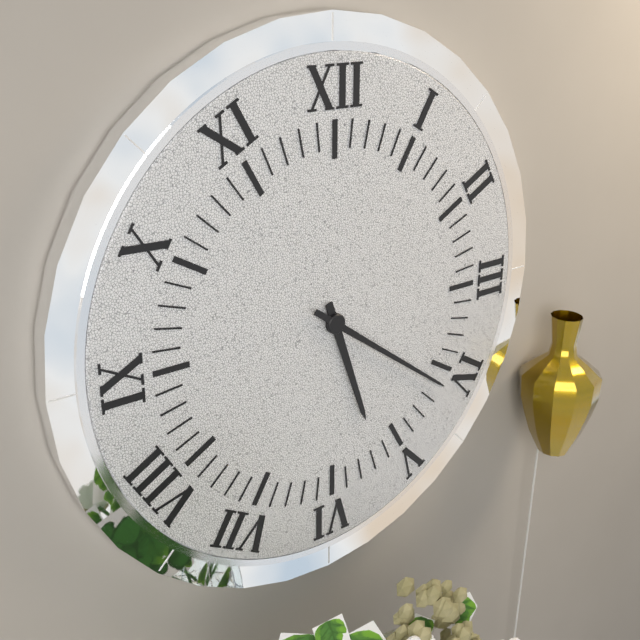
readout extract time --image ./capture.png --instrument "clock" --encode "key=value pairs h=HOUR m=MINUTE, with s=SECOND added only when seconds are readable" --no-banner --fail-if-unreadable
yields h=5 m=21
